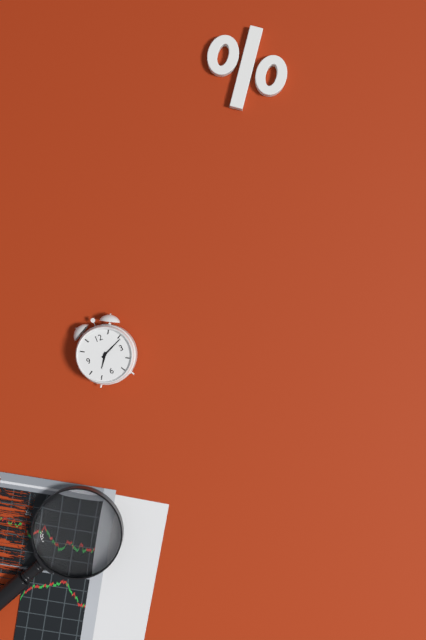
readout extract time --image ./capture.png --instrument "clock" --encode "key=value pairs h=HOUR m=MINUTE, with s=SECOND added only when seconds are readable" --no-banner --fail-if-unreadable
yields h=7 m=11
